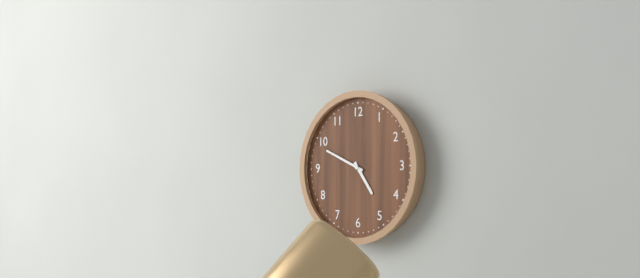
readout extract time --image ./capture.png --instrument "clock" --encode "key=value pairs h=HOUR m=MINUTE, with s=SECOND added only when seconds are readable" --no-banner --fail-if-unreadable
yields h=4 m=49
